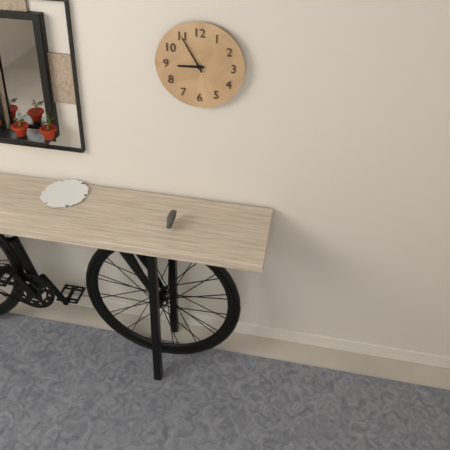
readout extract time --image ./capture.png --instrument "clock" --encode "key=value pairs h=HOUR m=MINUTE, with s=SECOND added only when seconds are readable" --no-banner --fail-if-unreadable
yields h=8 m=55
